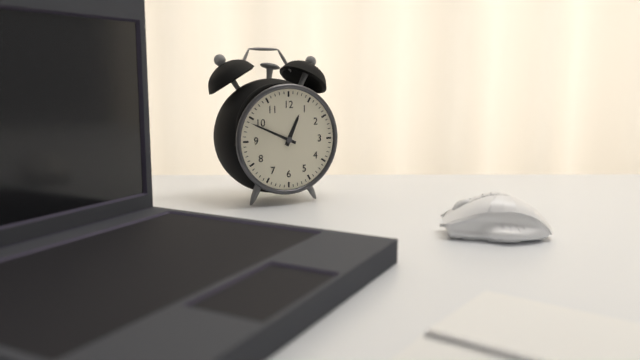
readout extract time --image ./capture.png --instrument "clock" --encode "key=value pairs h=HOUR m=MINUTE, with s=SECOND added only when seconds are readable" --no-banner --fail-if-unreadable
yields h=12 m=49
